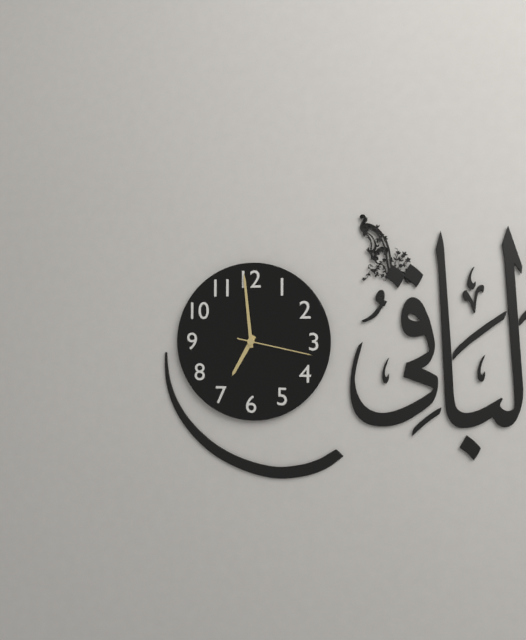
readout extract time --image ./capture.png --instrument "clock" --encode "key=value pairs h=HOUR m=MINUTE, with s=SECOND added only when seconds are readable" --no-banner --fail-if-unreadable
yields h=6 m=59 s=17
